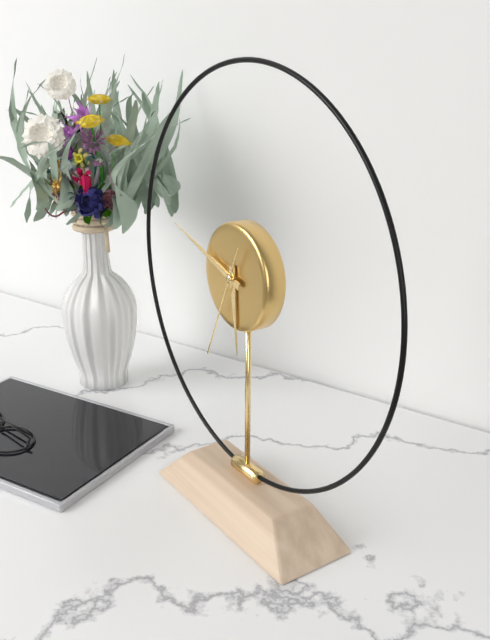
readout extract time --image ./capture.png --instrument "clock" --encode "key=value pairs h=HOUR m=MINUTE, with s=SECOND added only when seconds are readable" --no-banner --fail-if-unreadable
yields h=5 m=48 s=34
